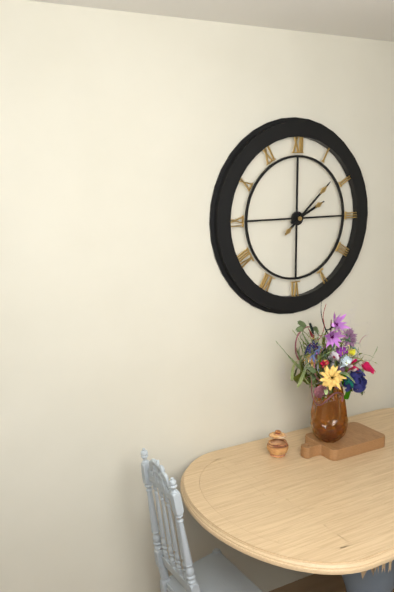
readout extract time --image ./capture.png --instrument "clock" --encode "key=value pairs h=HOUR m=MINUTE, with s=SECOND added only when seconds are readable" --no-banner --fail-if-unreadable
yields h=2 m=8
